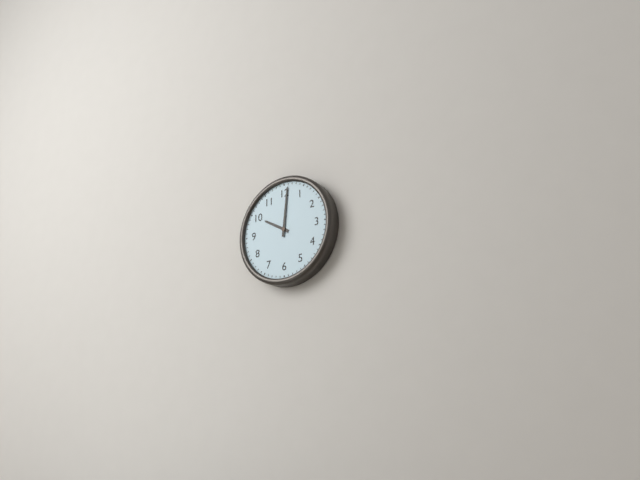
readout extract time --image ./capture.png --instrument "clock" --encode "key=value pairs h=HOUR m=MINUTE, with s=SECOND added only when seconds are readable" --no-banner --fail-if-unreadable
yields h=10 m=1
